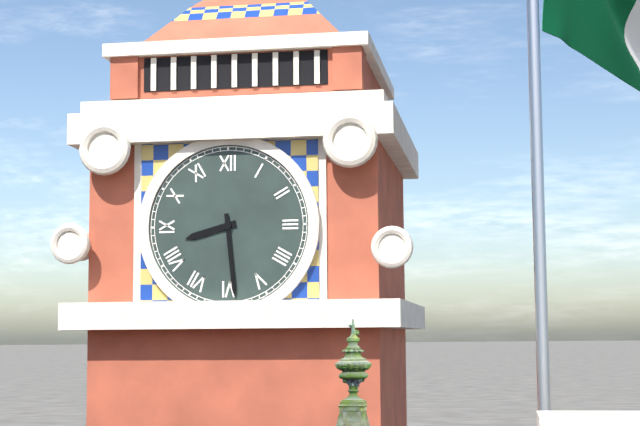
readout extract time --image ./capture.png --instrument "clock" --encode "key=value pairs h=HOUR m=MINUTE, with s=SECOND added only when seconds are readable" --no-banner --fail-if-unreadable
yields h=8 m=29
